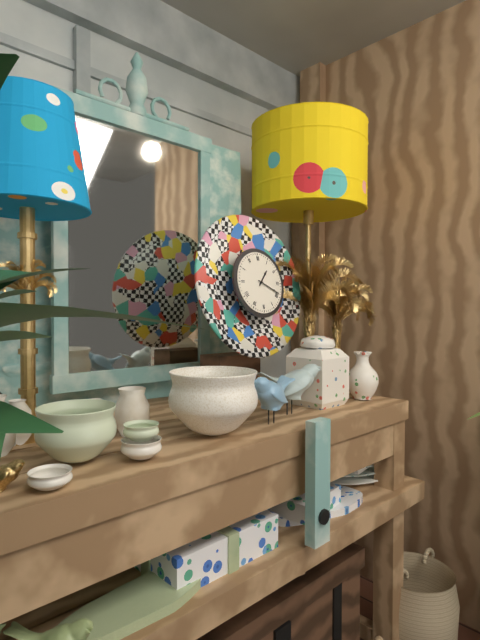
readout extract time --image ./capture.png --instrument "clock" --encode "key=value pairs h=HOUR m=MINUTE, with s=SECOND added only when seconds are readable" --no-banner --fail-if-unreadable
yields h=1 m=19
